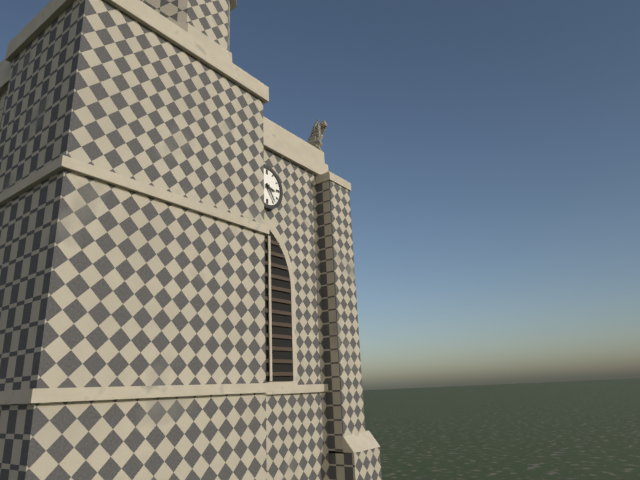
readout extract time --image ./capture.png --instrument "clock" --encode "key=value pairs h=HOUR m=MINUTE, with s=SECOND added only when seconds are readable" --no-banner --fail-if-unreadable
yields h=3 m=24
